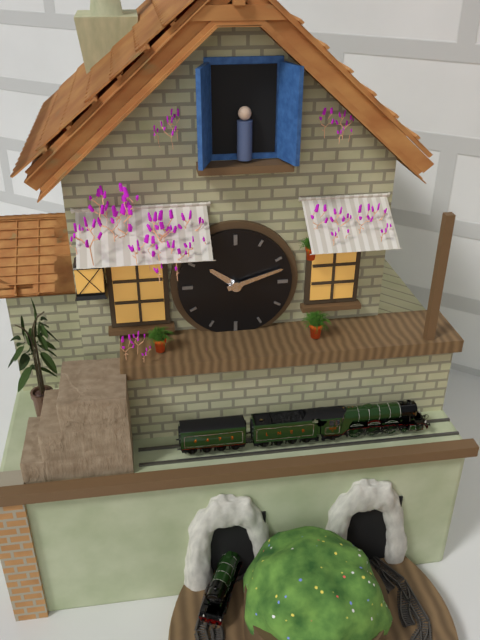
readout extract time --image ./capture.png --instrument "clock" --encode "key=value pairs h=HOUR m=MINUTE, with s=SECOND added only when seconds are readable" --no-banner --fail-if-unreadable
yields h=10 m=12
